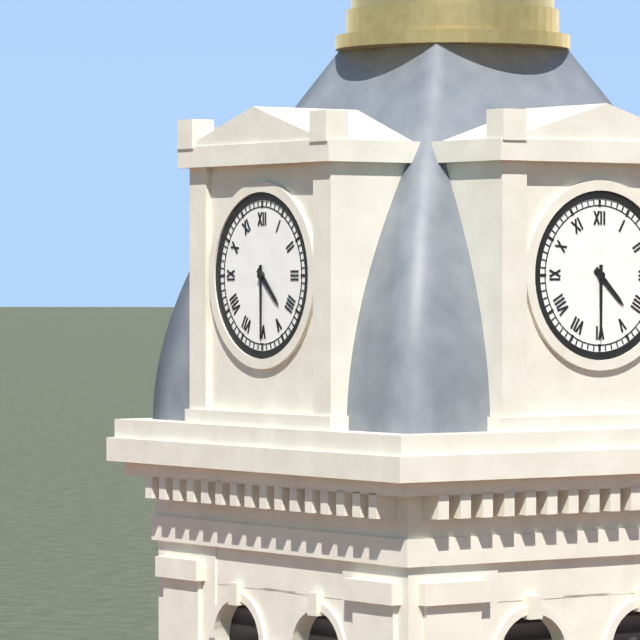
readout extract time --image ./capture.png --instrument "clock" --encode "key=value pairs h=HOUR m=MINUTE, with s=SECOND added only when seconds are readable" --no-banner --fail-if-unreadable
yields h=4 m=30
